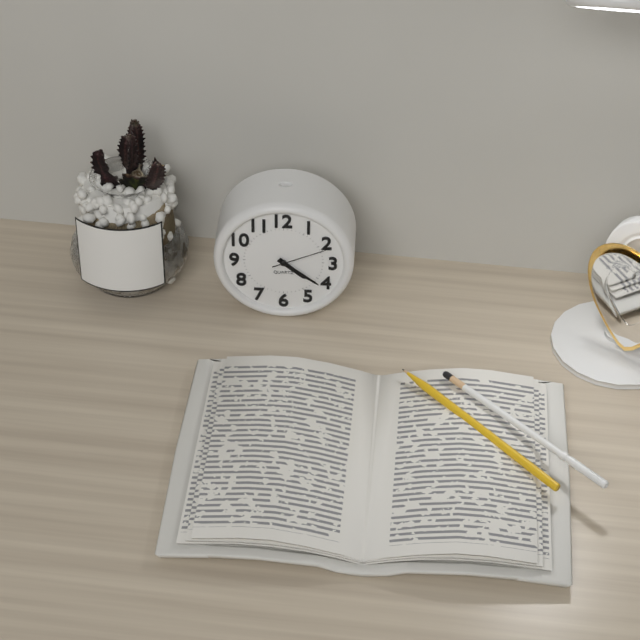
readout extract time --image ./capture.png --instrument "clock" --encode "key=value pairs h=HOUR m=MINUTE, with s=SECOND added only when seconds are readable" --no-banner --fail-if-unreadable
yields h=4 m=21 s=11
